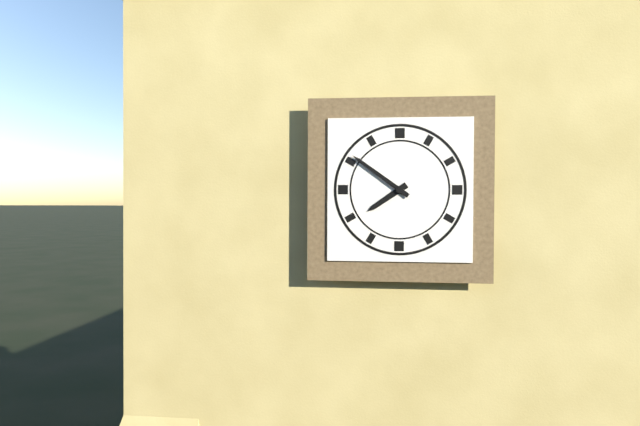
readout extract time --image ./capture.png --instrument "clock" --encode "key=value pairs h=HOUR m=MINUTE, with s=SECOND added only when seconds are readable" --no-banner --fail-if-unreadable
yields h=7 m=51
